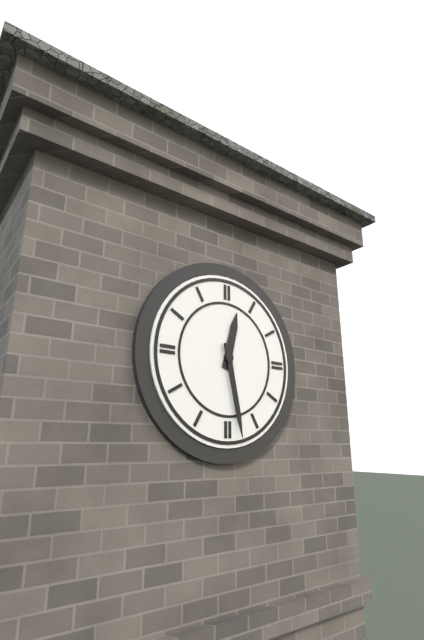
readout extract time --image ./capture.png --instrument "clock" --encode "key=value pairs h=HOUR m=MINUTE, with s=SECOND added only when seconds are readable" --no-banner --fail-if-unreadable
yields h=12 m=28
